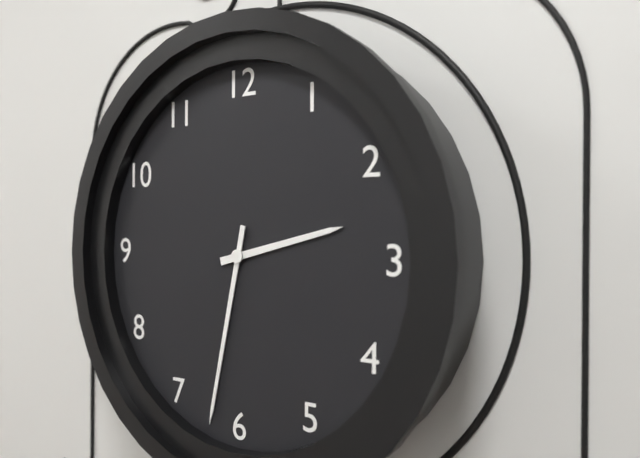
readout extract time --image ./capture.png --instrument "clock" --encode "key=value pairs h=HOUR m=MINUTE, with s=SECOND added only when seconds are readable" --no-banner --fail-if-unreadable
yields h=2 m=32
